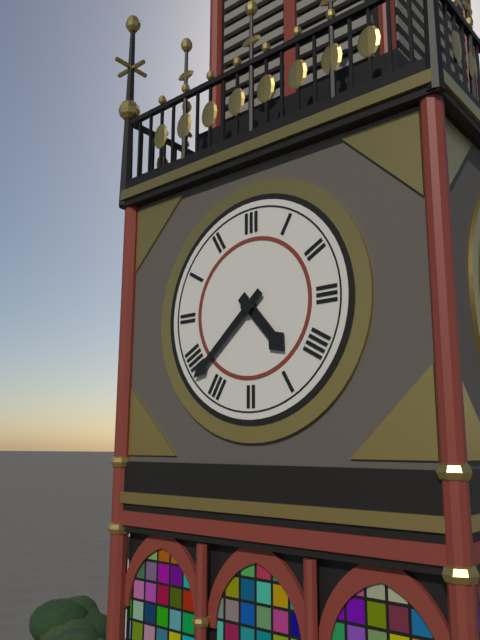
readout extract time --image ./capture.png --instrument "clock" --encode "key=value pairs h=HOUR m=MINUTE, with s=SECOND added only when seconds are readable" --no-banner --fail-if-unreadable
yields h=4 m=38
